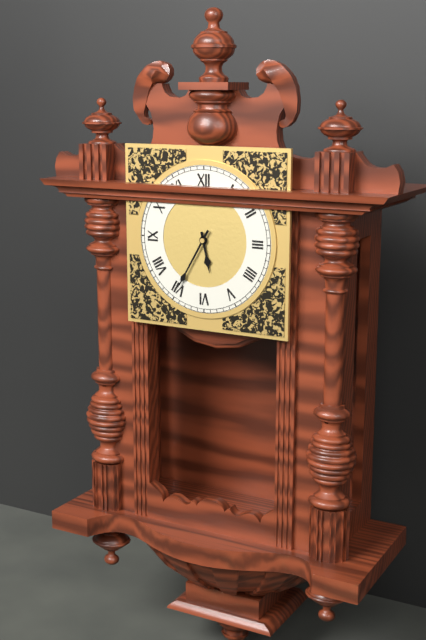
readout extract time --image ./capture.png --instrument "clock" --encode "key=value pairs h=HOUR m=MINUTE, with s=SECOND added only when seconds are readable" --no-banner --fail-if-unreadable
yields h=5 m=35
